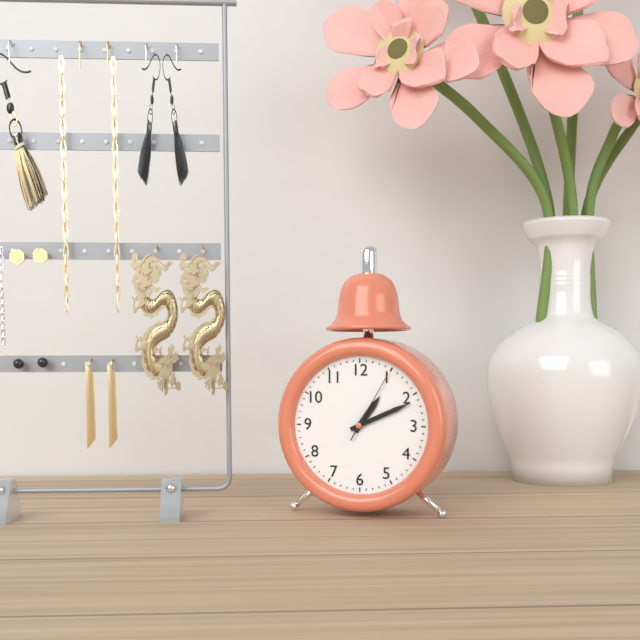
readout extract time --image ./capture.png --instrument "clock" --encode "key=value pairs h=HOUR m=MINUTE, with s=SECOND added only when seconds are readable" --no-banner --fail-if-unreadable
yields h=1 m=11 s=5
